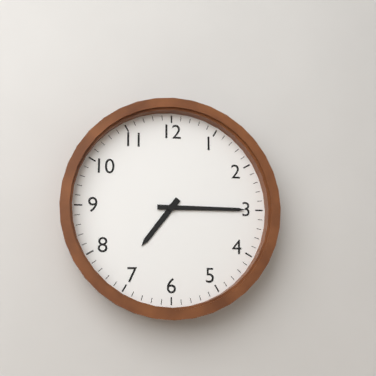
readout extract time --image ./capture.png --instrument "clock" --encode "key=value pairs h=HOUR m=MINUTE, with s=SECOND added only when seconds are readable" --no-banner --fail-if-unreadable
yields h=7 m=15
